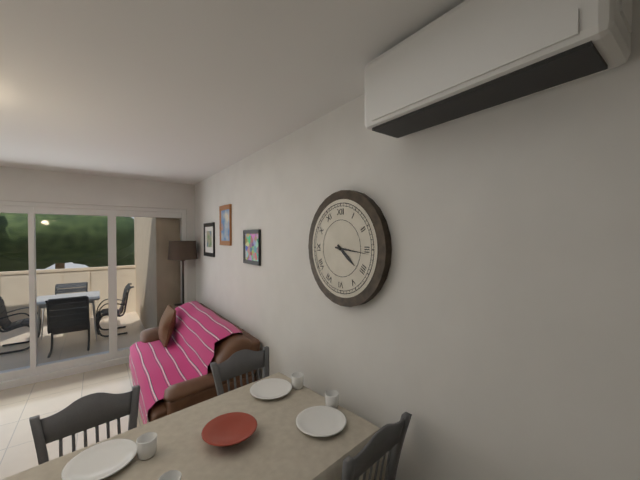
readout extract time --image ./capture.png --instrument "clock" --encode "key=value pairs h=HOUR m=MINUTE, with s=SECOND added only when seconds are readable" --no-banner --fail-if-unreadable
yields h=4 m=16
